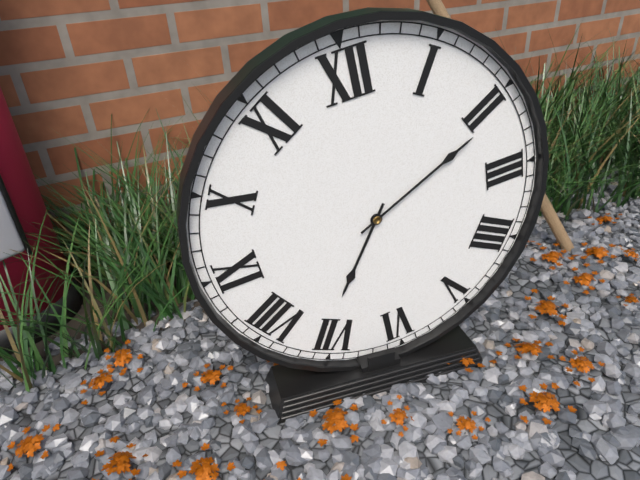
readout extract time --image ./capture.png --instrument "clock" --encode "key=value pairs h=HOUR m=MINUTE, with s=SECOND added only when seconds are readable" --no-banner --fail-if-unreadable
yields h=7 m=11
